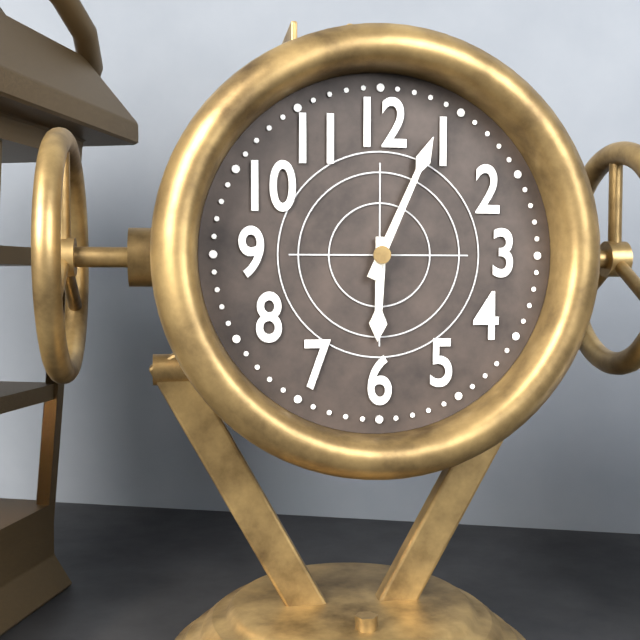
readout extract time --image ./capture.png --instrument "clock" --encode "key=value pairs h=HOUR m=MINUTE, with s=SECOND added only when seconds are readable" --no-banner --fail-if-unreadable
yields h=6 m=4
